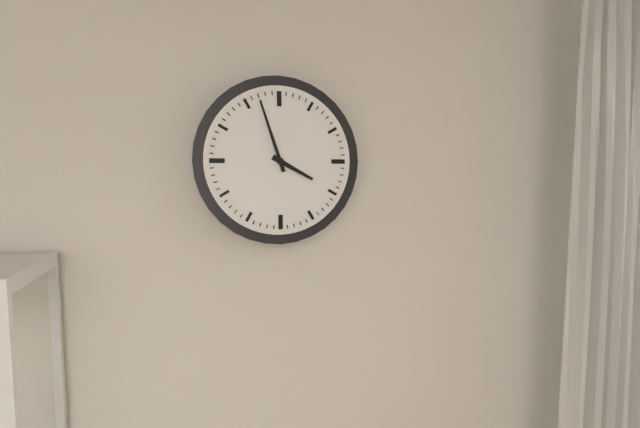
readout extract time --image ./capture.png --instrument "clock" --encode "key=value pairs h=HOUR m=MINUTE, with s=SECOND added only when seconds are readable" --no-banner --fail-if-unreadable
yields h=3 m=57
